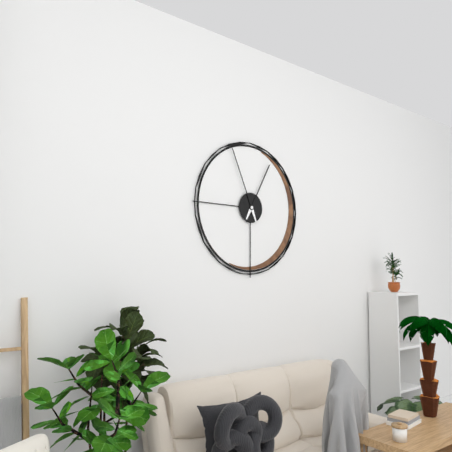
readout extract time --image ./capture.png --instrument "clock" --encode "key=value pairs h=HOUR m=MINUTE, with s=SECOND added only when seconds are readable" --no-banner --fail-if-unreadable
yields h=12 m=56
